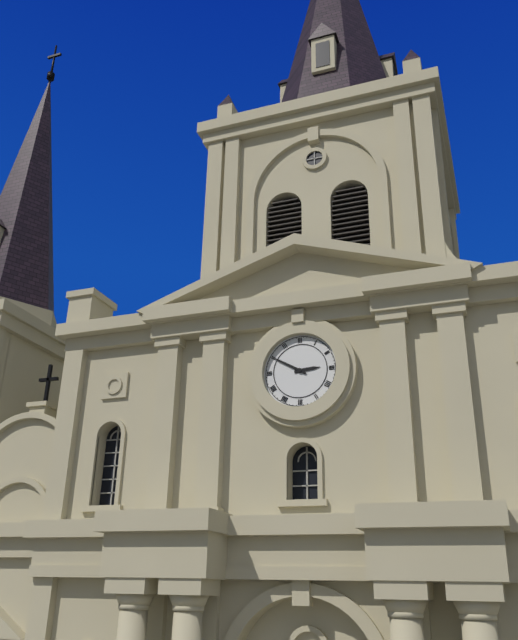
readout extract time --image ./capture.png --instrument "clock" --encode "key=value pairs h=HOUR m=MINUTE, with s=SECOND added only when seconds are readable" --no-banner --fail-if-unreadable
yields h=2 m=50
